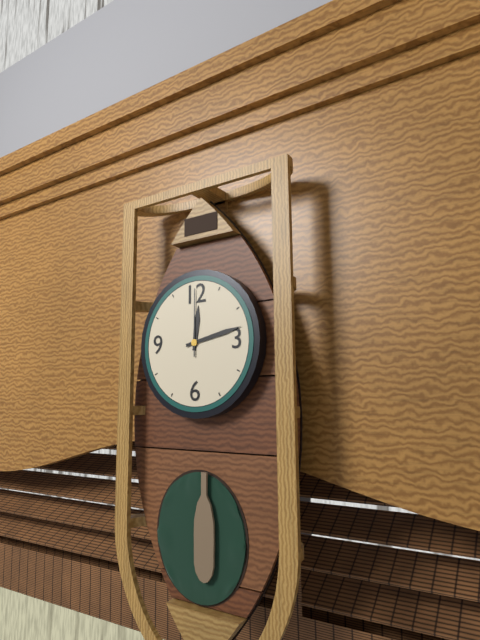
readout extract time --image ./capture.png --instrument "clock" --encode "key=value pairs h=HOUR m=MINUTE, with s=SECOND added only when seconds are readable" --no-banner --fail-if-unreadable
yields h=12 m=13 s=0
